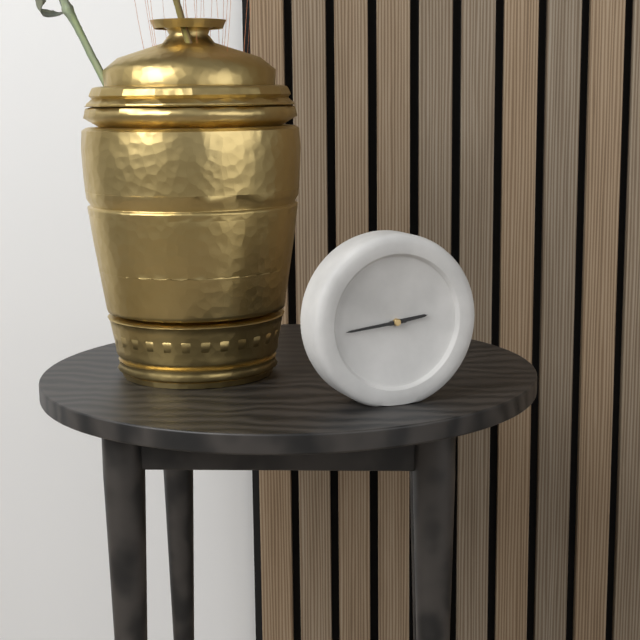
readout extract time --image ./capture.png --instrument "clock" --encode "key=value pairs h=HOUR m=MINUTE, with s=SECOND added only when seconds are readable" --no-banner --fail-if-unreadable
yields h=2 m=44
